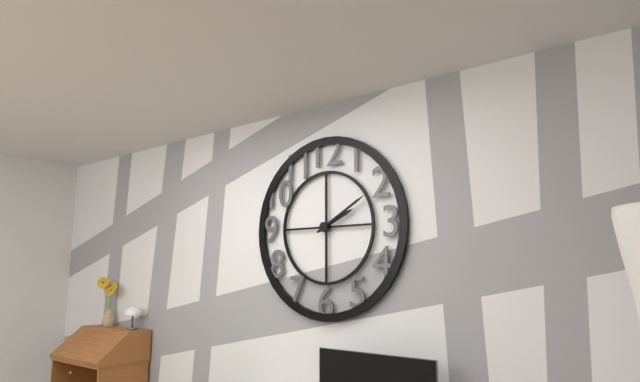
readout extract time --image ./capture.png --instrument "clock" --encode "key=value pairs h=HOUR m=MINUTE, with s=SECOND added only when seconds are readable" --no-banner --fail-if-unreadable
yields h=2 m=10
